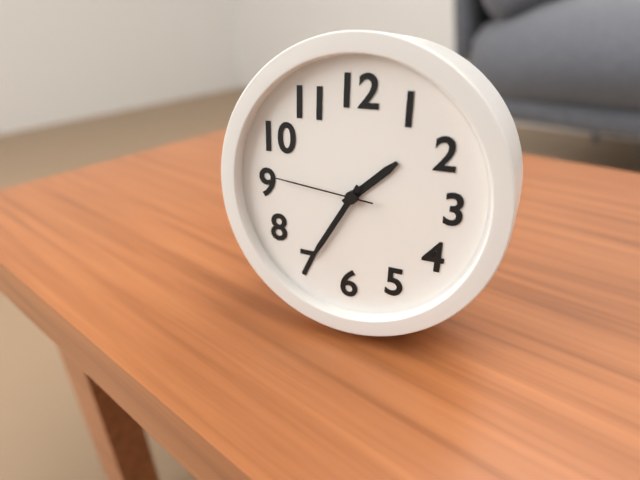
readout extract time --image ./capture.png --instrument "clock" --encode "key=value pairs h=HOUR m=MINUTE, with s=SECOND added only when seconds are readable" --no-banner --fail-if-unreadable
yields h=1 m=35 s=46
